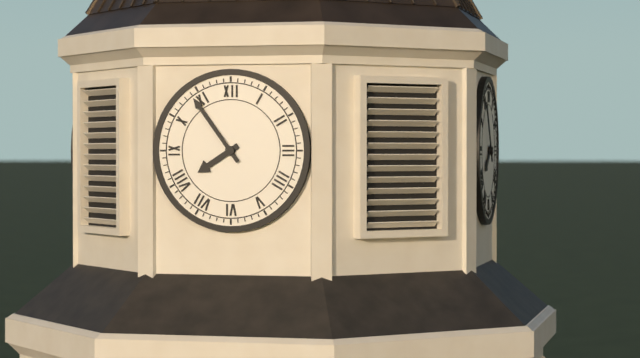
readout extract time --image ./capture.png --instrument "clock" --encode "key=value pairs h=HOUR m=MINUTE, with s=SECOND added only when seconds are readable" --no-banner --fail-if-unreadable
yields h=7 m=54
